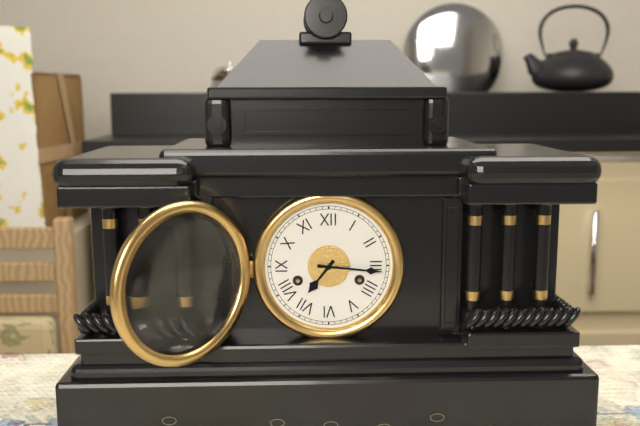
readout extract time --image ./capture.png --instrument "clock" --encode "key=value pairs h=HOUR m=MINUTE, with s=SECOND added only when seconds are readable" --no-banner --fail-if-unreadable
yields h=7 m=16
